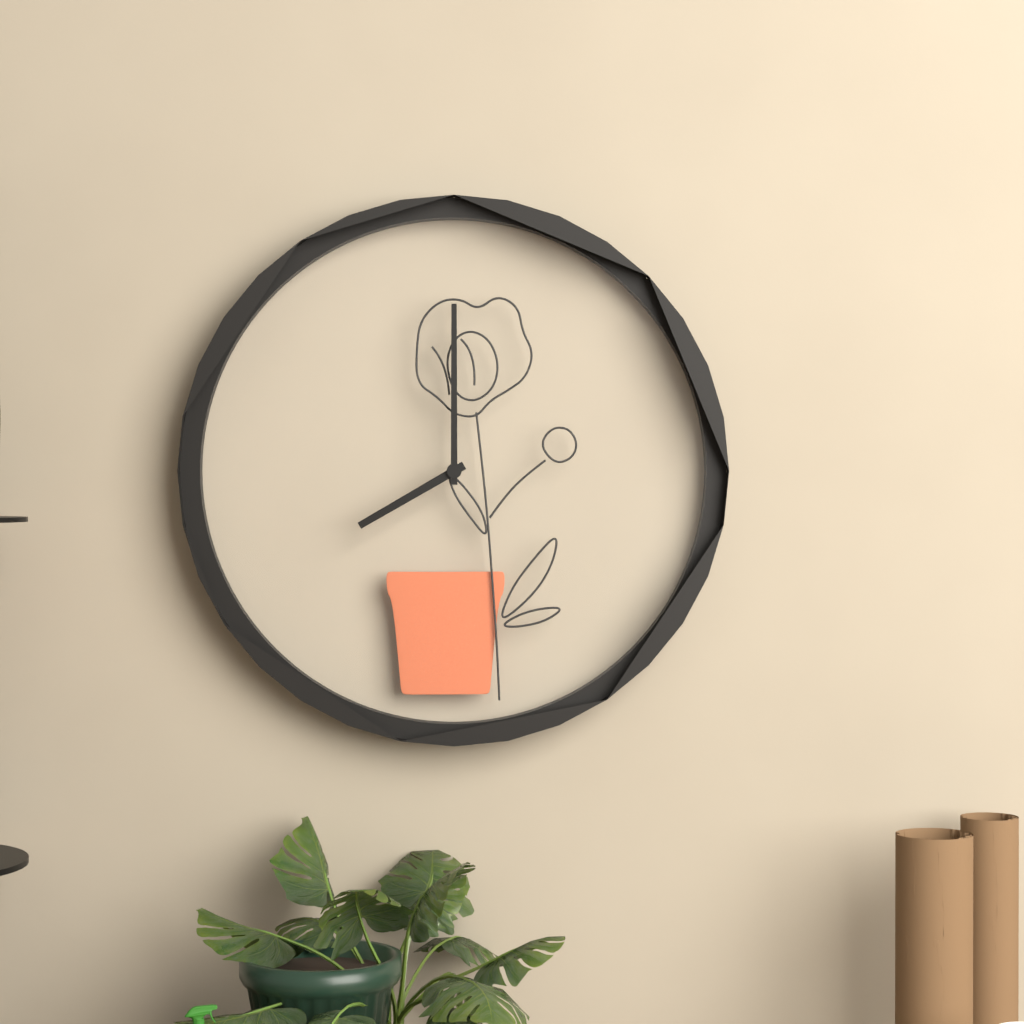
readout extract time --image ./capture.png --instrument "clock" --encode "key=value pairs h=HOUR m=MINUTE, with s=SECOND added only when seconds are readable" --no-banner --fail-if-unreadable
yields h=8 m=0
